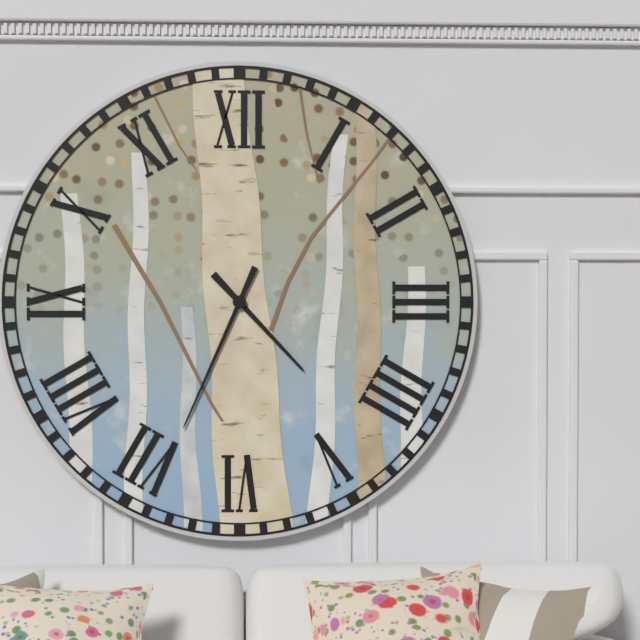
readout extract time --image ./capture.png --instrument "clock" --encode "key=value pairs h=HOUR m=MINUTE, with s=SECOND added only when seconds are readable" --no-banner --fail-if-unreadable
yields h=4 m=34
